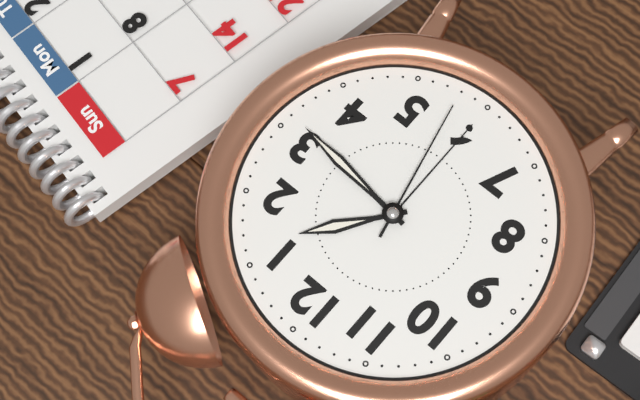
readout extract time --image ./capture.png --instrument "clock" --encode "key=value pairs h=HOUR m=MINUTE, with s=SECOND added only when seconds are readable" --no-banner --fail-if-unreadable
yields h=1 m=16 s=28
